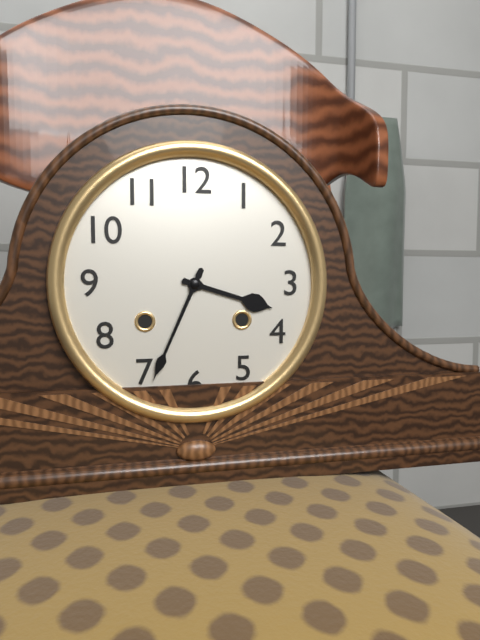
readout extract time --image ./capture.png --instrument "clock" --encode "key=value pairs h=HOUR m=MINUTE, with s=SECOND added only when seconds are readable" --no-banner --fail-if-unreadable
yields h=3 m=34
